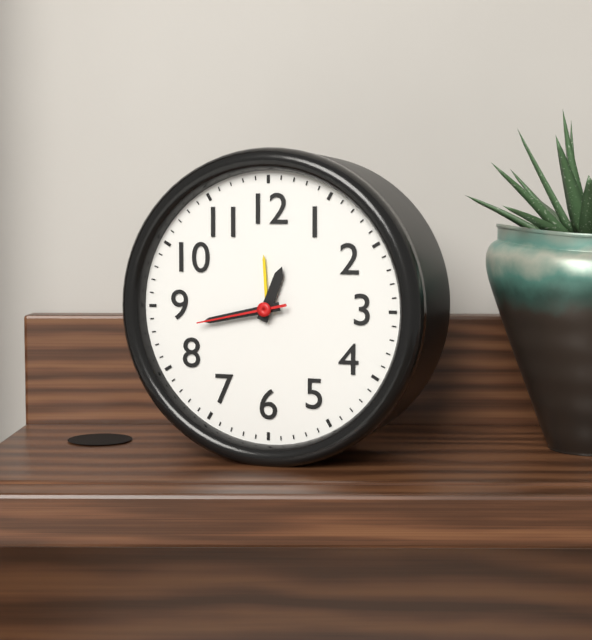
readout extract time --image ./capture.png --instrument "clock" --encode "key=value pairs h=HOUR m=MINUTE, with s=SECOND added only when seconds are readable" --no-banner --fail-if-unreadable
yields h=12 m=43 s=43
